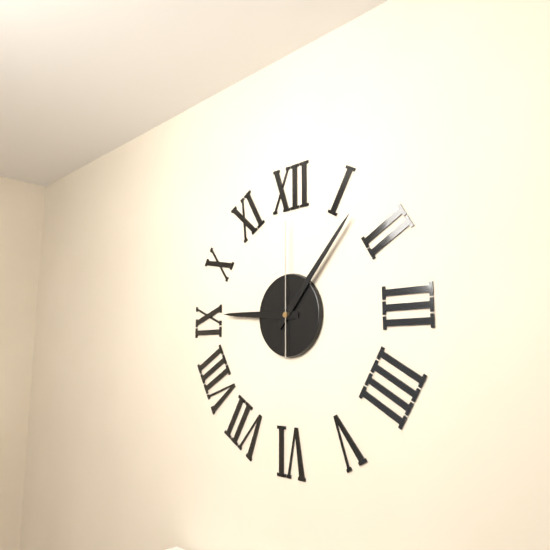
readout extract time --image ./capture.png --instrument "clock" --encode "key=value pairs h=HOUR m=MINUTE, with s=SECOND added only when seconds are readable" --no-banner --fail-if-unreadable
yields h=9 m=7 s=0
